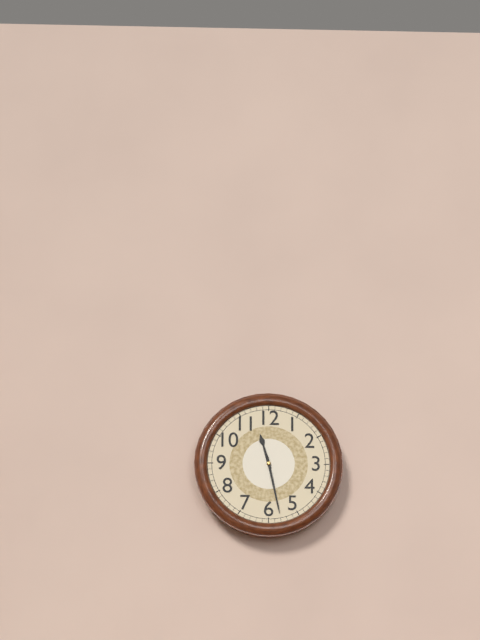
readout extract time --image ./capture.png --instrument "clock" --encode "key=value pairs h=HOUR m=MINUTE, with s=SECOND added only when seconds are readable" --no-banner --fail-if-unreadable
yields h=11 m=28
